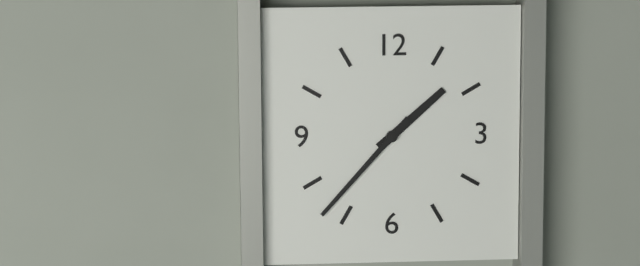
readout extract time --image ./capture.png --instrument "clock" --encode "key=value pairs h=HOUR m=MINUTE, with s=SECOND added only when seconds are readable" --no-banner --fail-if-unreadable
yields h=1 m=37
